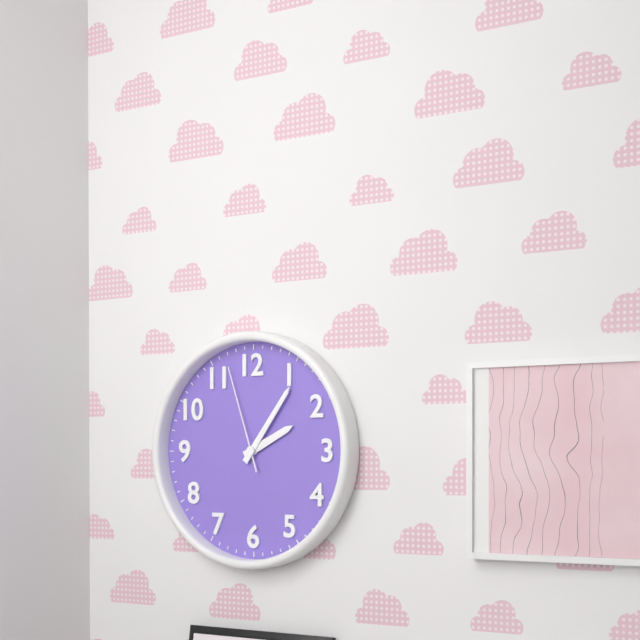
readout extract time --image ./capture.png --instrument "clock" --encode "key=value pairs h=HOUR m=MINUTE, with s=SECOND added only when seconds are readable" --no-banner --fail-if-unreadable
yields h=2 m=6 s=57
